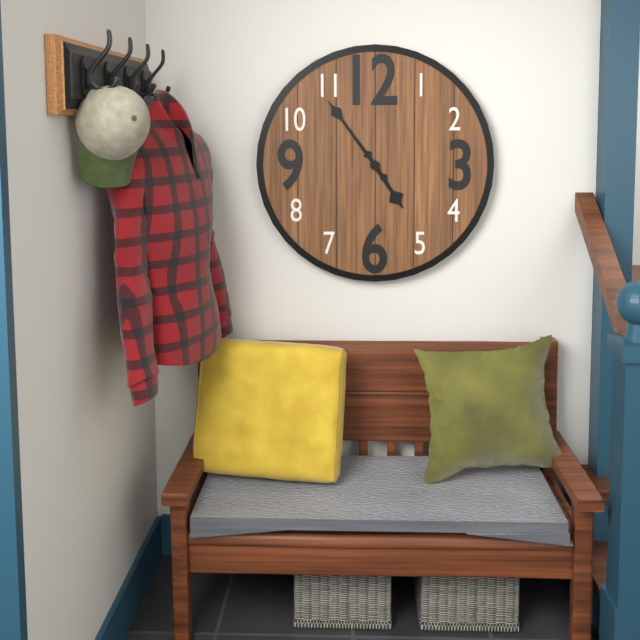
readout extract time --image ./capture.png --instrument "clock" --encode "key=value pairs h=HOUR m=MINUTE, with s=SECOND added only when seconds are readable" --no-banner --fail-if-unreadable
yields h=4 m=54
